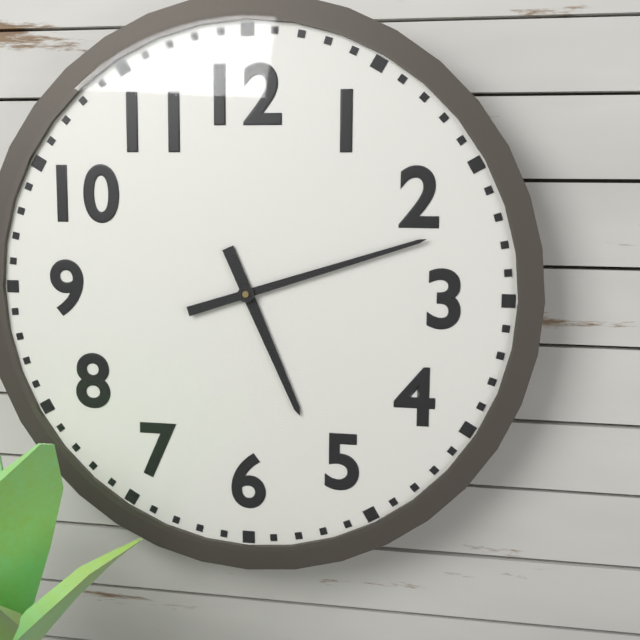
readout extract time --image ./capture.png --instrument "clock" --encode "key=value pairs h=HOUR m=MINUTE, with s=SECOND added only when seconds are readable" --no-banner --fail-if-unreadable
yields h=5 m=12
